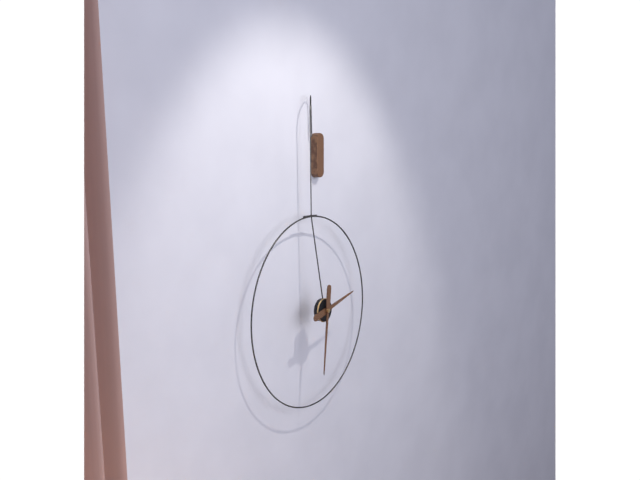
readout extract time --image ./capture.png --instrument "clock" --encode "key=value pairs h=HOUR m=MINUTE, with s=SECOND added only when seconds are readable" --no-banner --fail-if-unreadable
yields h=2 m=31
